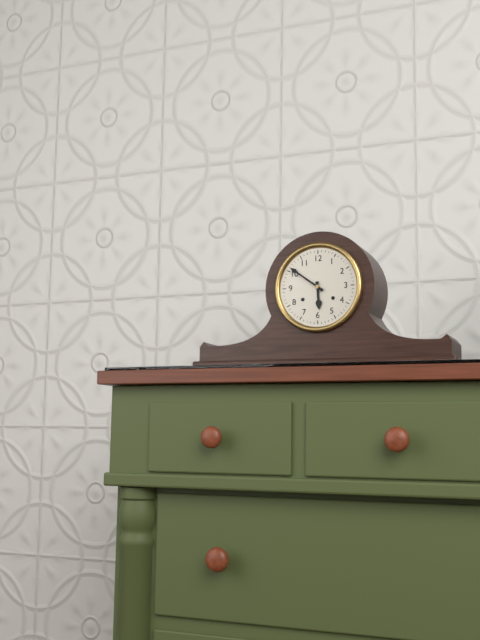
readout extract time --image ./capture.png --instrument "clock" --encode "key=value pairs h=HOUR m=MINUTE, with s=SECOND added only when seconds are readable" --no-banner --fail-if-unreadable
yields h=5 m=51
